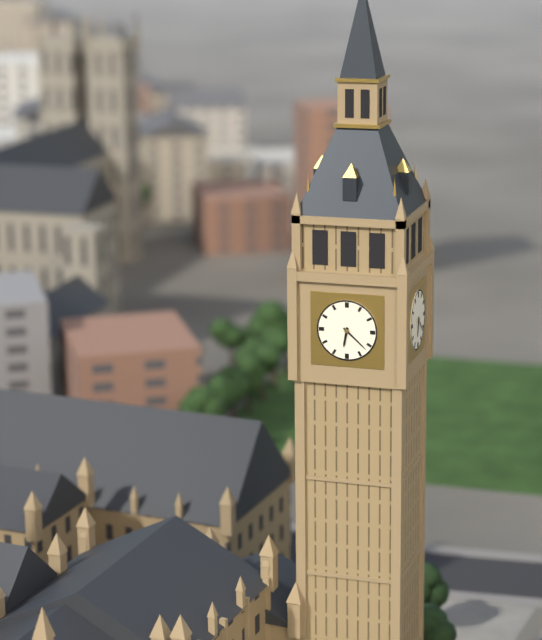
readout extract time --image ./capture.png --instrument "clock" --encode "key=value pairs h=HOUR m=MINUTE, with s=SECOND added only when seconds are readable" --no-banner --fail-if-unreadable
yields h=6 m=22
